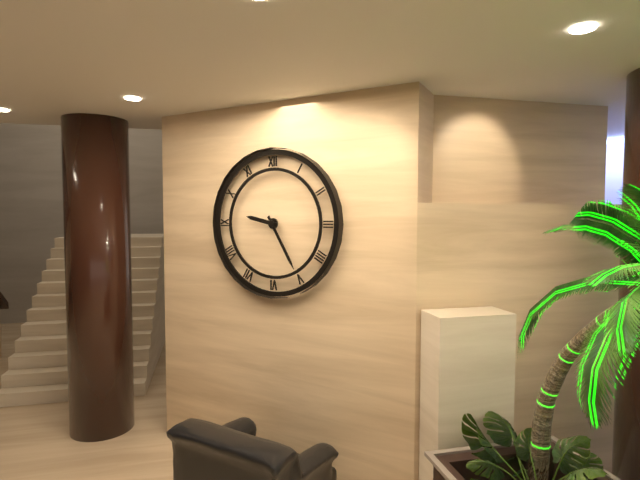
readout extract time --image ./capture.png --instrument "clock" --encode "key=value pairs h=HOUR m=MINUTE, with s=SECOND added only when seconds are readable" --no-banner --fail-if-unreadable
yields h=9 m=25
